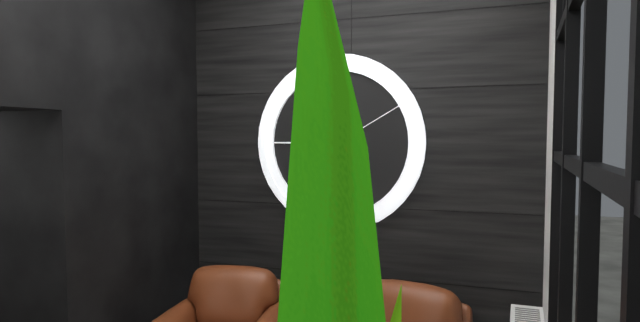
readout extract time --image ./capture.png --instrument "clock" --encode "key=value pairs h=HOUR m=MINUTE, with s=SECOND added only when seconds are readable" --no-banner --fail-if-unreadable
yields h=10 m=45 s=10
